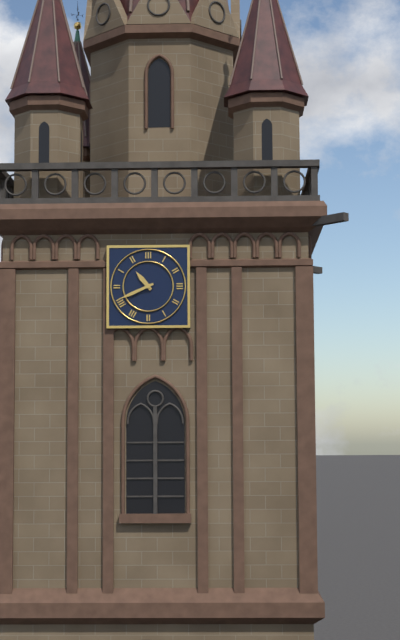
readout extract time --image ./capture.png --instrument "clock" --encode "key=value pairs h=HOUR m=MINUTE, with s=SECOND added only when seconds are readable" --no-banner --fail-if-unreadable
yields h=10 m=41
